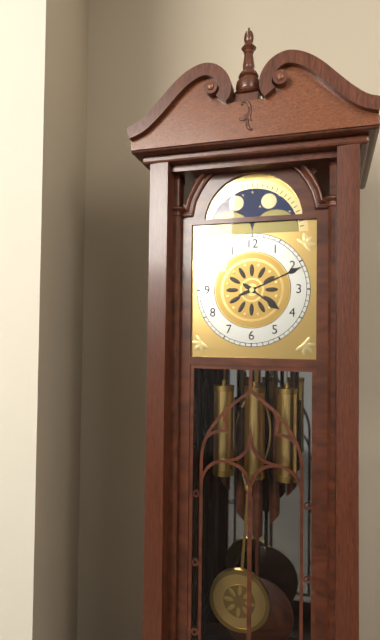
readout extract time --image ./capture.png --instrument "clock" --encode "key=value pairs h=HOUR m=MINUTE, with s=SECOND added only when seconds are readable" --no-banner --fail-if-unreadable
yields h=4 m=11
